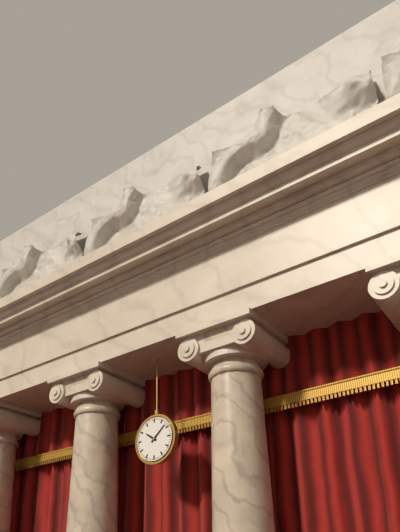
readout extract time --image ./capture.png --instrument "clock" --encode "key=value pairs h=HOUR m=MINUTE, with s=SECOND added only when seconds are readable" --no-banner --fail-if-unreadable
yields h=10 m=8
